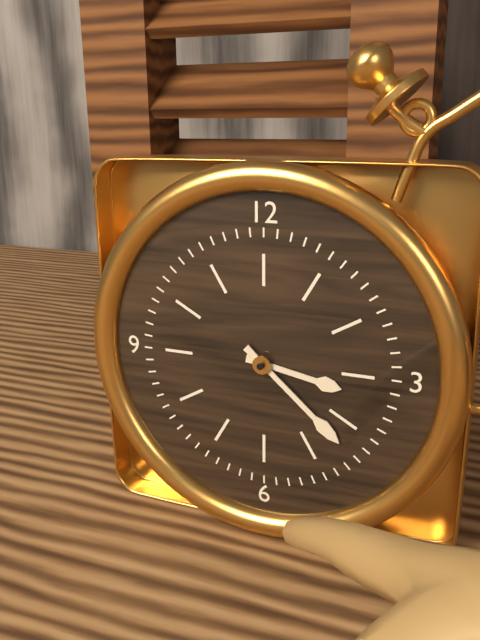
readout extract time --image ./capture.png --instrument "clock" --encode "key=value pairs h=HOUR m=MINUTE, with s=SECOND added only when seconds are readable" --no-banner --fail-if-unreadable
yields h=3 m=22
